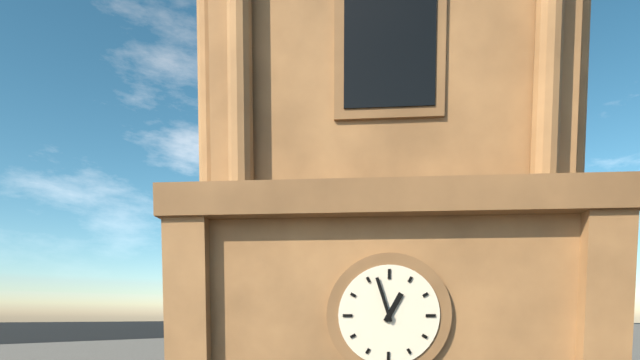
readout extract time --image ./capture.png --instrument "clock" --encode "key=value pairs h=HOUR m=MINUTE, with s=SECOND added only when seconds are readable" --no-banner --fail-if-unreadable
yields h=12 m=57
